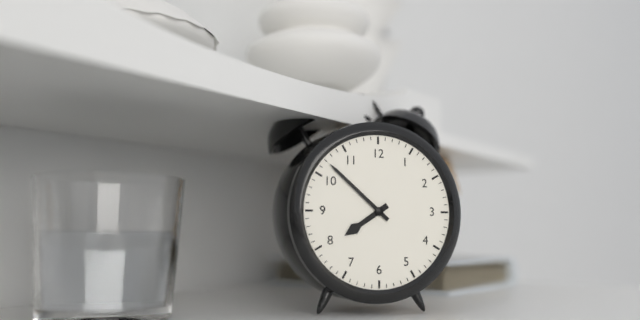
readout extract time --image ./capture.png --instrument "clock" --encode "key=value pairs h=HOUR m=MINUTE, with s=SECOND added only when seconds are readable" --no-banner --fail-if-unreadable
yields h=7 m=52
